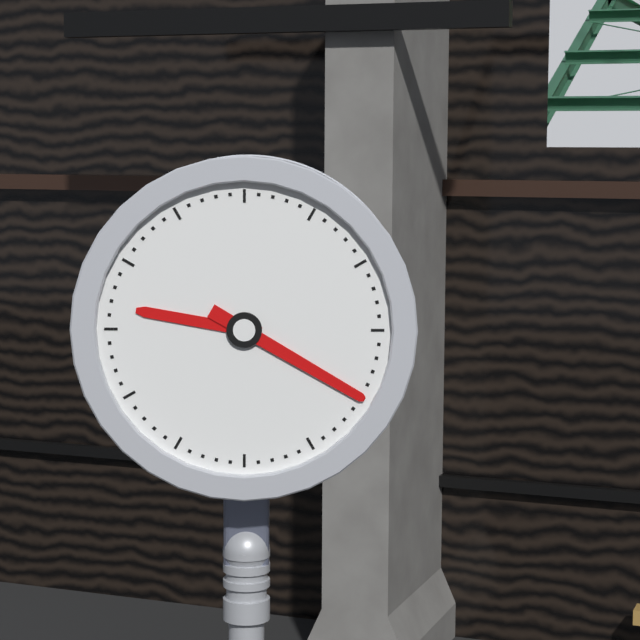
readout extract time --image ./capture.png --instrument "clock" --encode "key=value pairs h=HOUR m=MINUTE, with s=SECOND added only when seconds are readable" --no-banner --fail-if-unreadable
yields h=9 m=20
